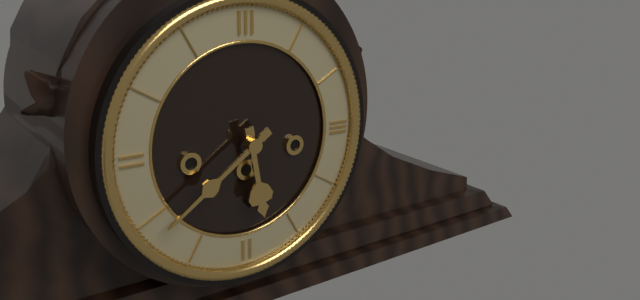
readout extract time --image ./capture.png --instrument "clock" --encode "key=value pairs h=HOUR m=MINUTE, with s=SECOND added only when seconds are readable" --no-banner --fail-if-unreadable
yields h=5 m=39
